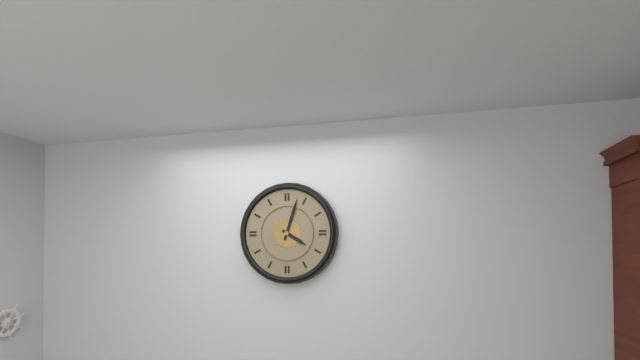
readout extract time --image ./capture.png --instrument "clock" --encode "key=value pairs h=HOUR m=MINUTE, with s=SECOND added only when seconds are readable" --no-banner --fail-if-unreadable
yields h=4 m=3
